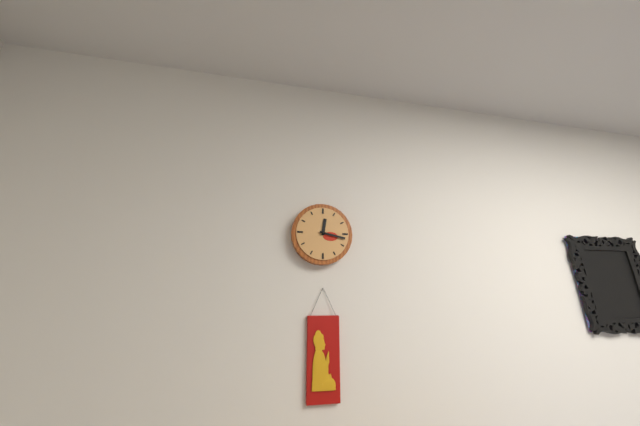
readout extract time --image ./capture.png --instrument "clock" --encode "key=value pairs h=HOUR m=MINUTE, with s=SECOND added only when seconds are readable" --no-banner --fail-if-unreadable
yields h=12 m=17
